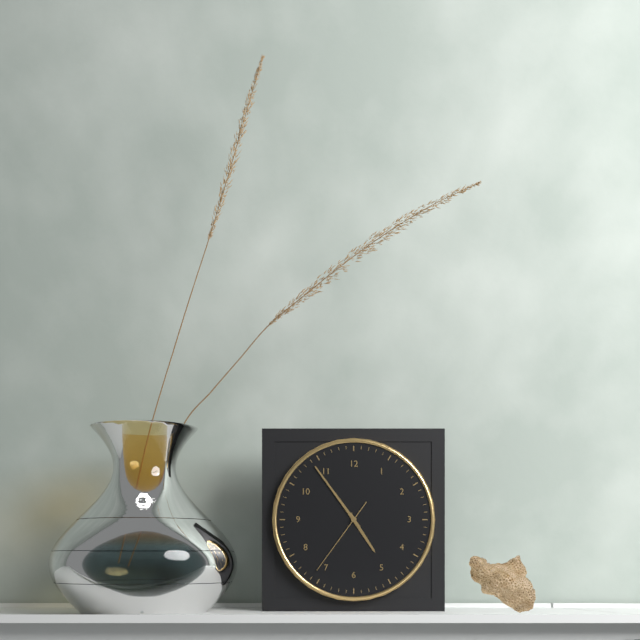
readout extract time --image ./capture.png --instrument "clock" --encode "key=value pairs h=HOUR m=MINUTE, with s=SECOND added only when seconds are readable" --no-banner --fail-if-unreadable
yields h=4 m=54 s=36
